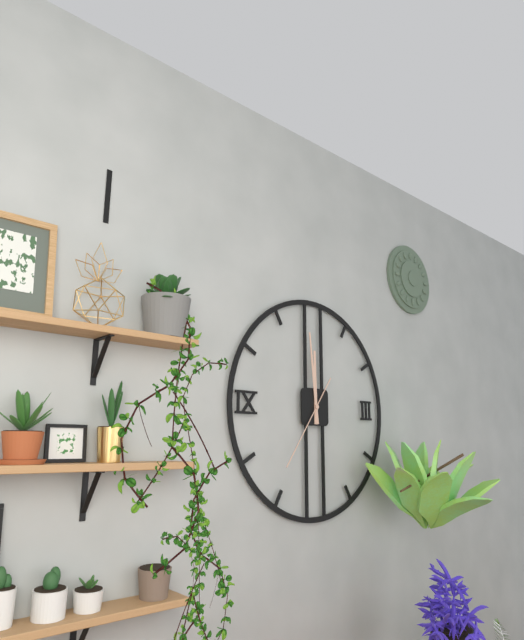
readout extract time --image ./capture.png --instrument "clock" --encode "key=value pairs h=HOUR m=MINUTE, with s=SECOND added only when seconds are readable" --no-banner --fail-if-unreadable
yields h=11 m=59 s=36
